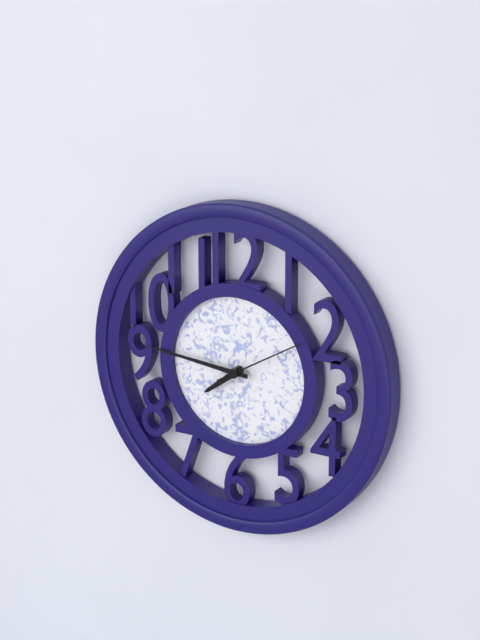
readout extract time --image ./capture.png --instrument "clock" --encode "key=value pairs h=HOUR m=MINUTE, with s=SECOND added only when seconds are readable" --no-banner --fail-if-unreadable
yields h=7 m=46 s=10
